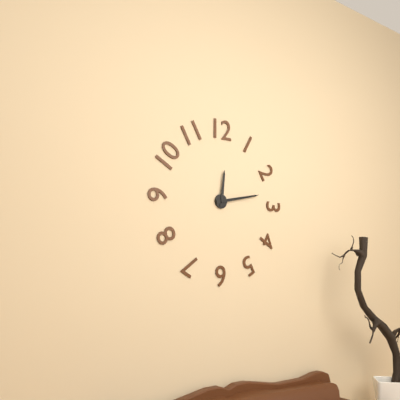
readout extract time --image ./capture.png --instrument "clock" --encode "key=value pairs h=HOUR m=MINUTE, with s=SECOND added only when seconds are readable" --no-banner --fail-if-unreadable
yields h=12 m=13
